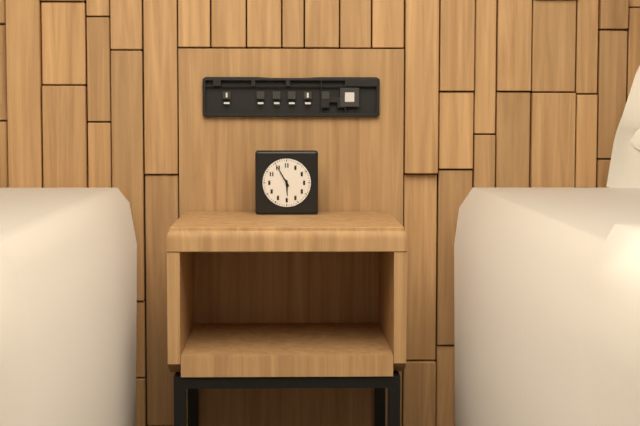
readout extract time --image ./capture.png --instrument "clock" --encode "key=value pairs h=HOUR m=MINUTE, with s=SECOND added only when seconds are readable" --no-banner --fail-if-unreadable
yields h=5 m=55
